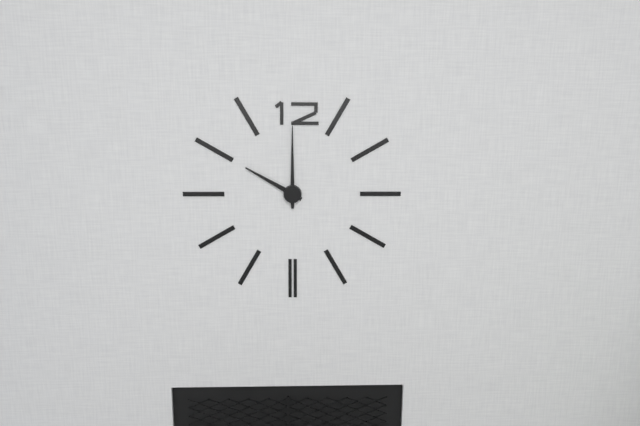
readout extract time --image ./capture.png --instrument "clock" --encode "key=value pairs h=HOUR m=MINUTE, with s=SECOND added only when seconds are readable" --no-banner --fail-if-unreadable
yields h=10 m=0
